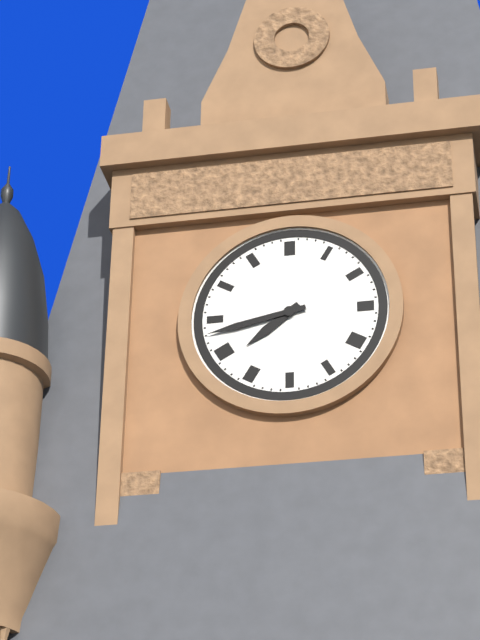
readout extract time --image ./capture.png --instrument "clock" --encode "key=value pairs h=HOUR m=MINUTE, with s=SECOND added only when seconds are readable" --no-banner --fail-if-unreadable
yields h=7 m=43
